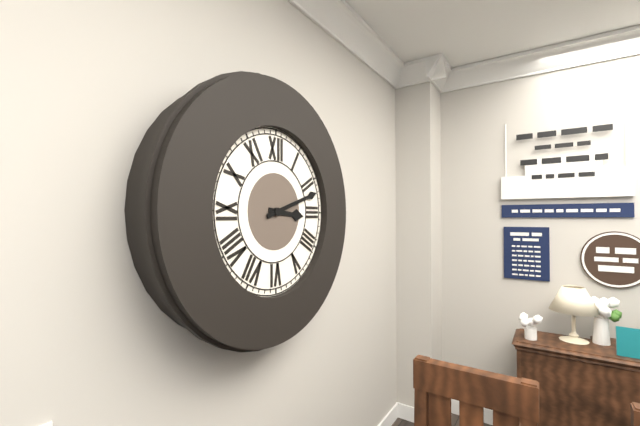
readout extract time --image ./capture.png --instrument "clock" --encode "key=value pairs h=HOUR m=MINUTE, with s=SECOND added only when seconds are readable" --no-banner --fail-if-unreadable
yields h=3 m=12
